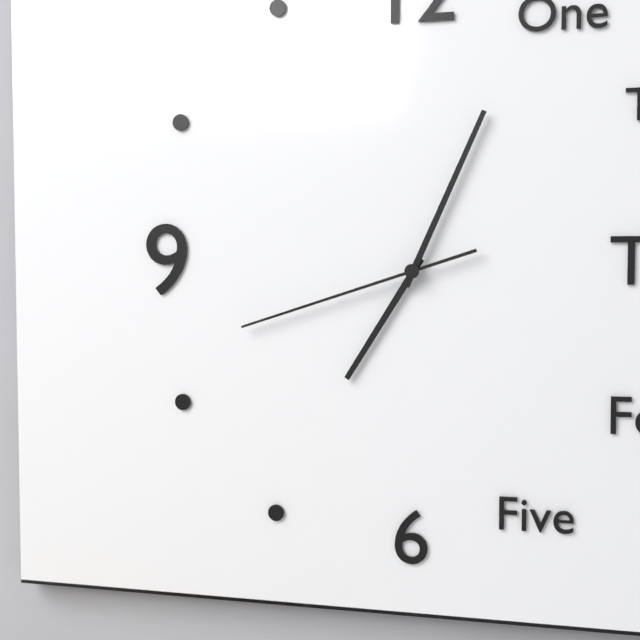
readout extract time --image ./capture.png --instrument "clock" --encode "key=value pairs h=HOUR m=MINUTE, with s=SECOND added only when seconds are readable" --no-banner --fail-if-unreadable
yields h=7 m=4 s=42
